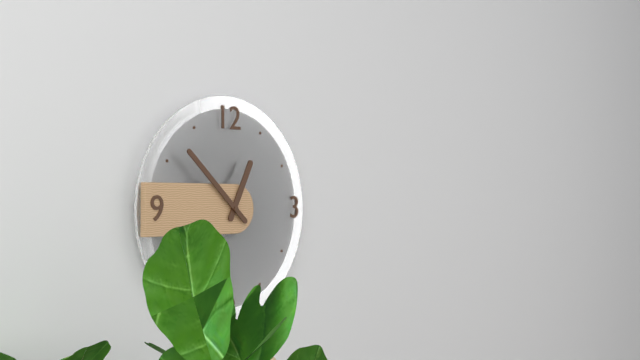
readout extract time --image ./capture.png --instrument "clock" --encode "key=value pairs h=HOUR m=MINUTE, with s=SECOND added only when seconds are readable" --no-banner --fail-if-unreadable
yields h=12 m=52
